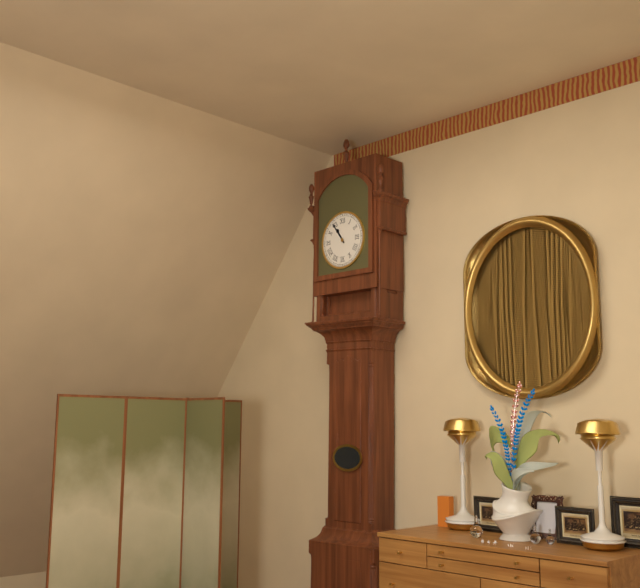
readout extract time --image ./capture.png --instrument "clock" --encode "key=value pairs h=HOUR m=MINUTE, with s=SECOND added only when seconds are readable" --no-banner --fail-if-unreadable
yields h=10 m=54
